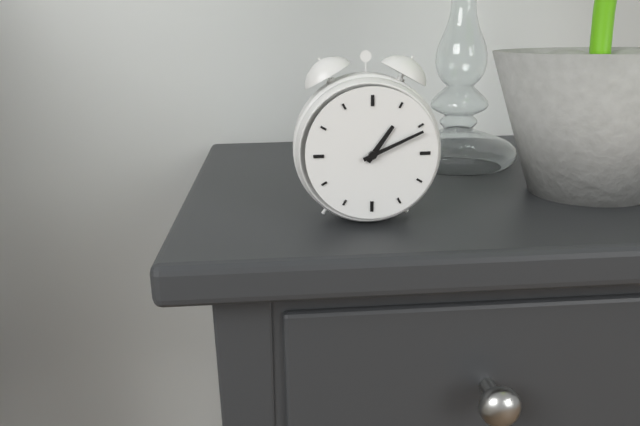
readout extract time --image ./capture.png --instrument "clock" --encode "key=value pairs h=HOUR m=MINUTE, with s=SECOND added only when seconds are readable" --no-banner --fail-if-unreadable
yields h=1 m=11
